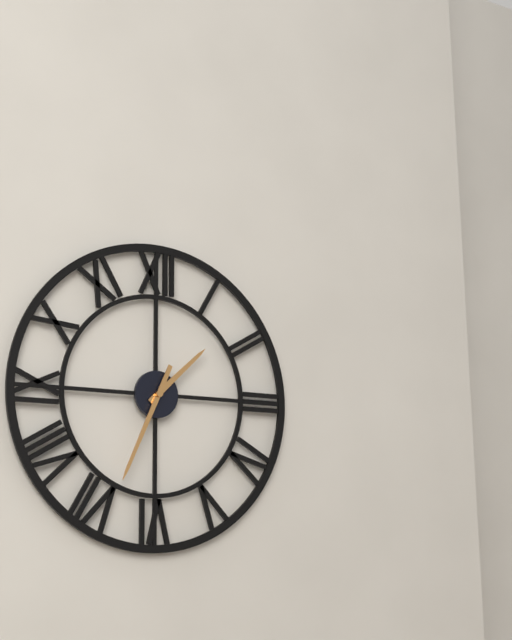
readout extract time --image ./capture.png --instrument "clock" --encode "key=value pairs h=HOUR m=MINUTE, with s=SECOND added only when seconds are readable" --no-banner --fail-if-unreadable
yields h=1 m=34
